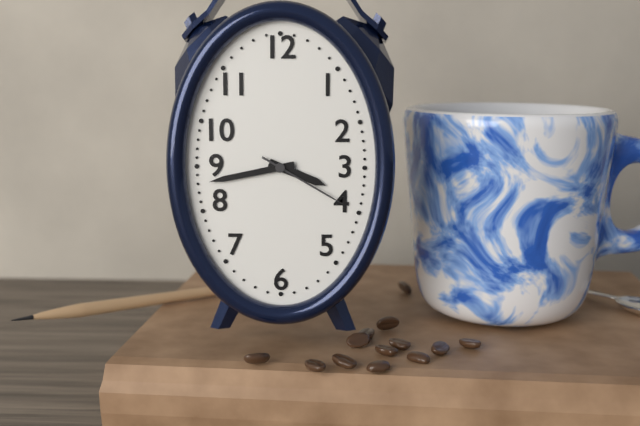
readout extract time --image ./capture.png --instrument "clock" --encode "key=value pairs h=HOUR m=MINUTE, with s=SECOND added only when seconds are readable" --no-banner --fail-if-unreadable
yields h=3 m=43 s=20
